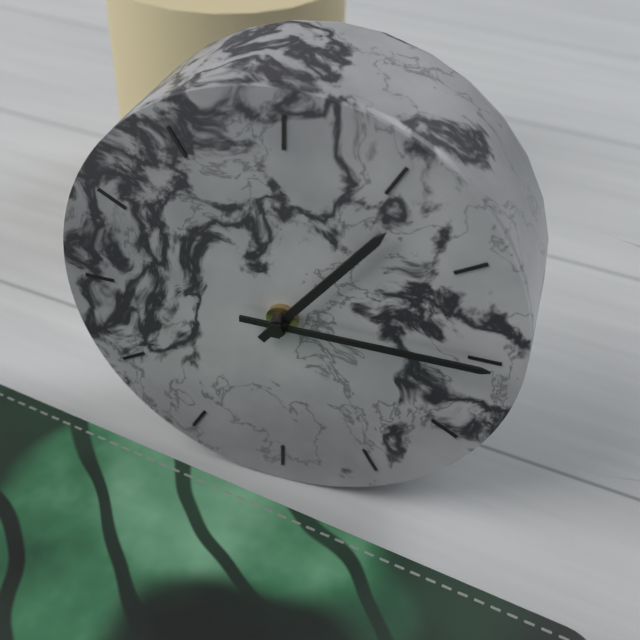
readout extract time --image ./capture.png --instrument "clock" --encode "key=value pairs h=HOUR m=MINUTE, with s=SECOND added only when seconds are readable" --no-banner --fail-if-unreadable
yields h=1 m=15
